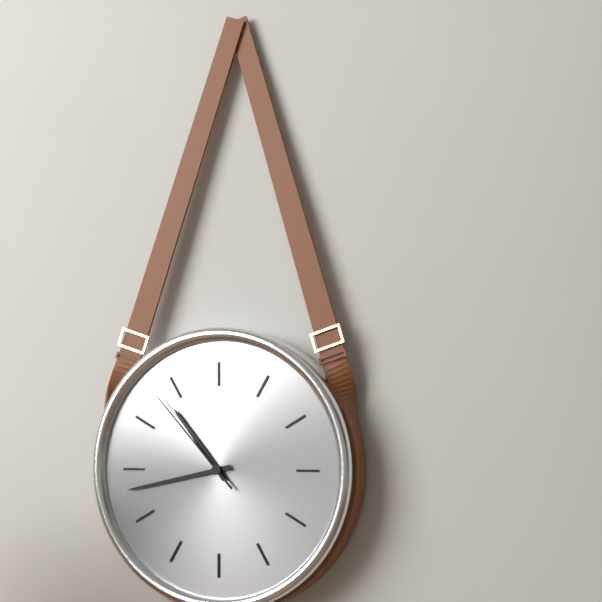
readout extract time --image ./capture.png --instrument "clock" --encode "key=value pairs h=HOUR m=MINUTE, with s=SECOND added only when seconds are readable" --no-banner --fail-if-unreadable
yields h=10 m=43 s=53
